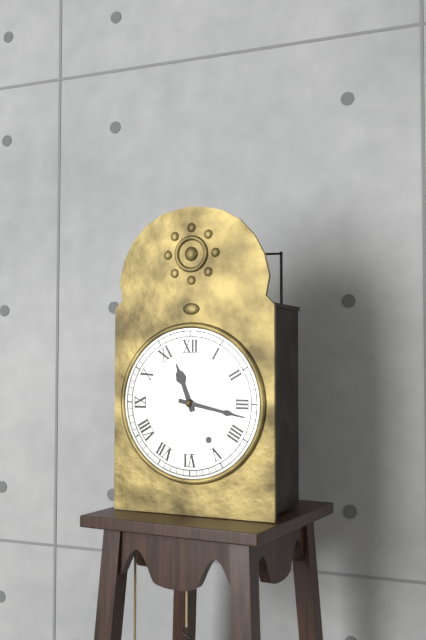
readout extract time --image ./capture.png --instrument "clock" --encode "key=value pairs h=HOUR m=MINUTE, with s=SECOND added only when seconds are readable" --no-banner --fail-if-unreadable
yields h=11 m=17
